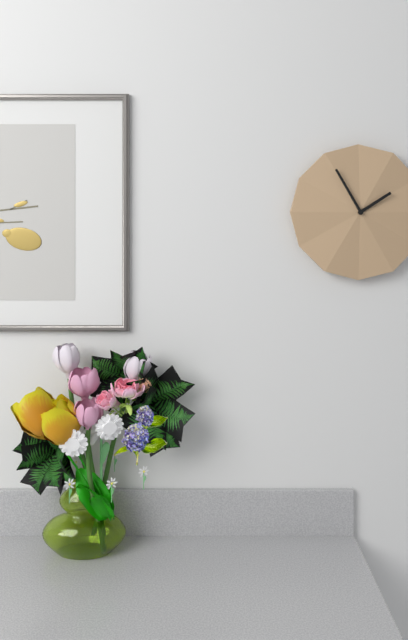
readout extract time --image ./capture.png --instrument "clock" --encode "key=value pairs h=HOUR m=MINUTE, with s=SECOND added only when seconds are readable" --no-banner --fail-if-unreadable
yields h=1 m=55
